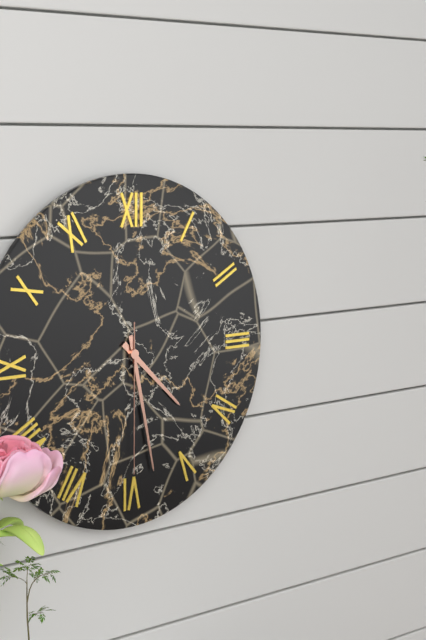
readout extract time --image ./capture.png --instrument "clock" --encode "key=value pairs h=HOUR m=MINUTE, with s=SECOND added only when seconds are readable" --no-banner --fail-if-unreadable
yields h=4 m=28 s=30
